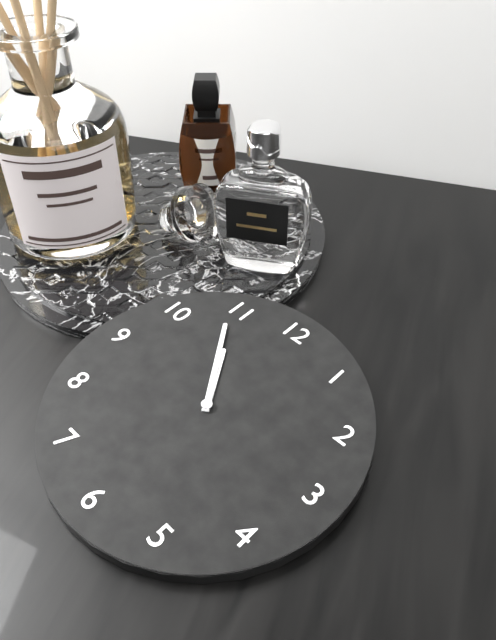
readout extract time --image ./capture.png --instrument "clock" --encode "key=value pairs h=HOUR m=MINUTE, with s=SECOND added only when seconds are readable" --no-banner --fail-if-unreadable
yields h=10 m=54
